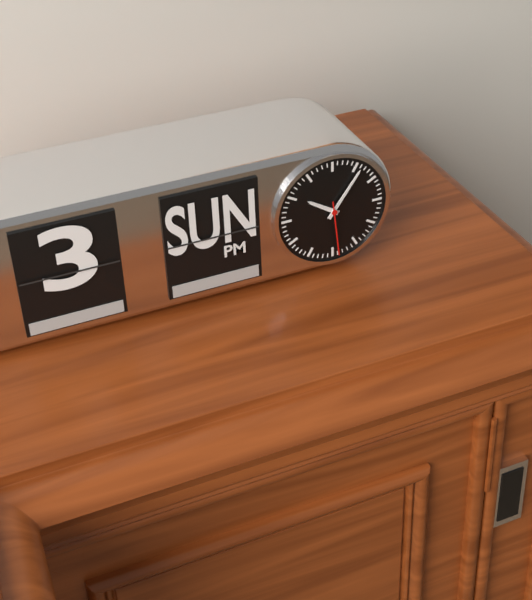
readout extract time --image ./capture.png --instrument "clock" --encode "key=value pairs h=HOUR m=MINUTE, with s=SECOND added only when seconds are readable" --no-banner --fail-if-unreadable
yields h=10 m=6 s=29
